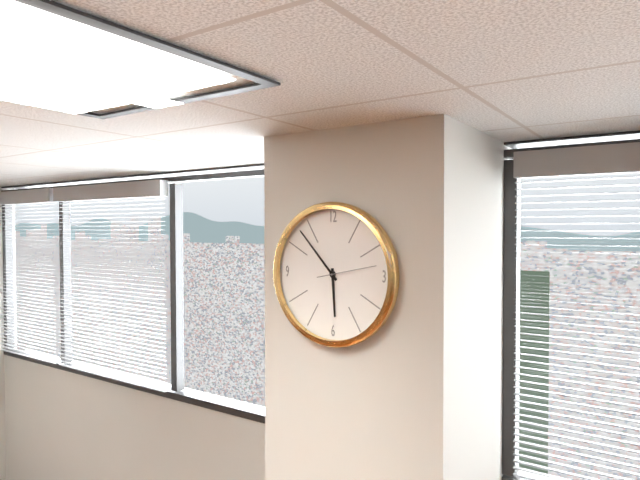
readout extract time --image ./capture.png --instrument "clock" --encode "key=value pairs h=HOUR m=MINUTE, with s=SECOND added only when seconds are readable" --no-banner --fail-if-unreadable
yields h=5 m=53 s=13
